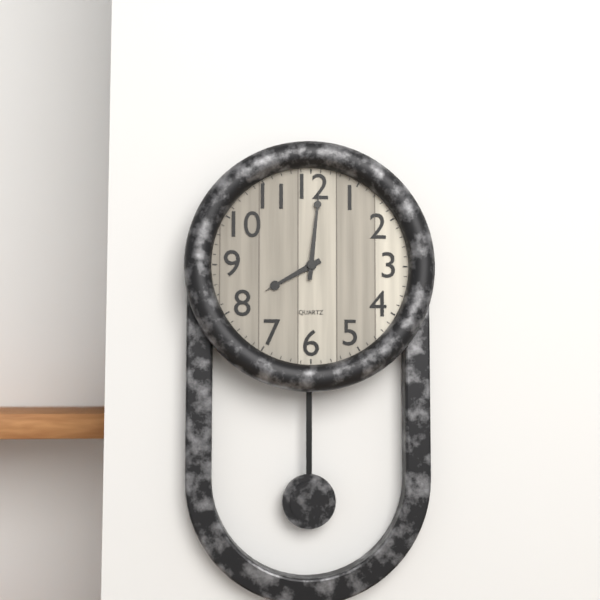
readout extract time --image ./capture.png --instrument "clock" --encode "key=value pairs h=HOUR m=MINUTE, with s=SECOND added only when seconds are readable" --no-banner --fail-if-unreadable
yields h=8 m=1
